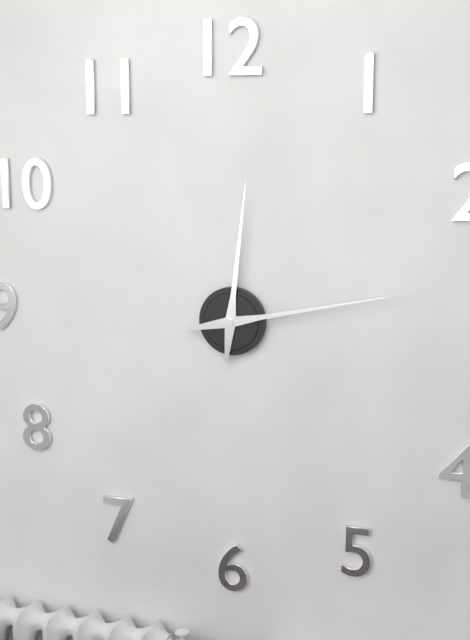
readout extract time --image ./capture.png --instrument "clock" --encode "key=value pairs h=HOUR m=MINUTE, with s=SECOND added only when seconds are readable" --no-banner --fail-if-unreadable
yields h=12 m=13
